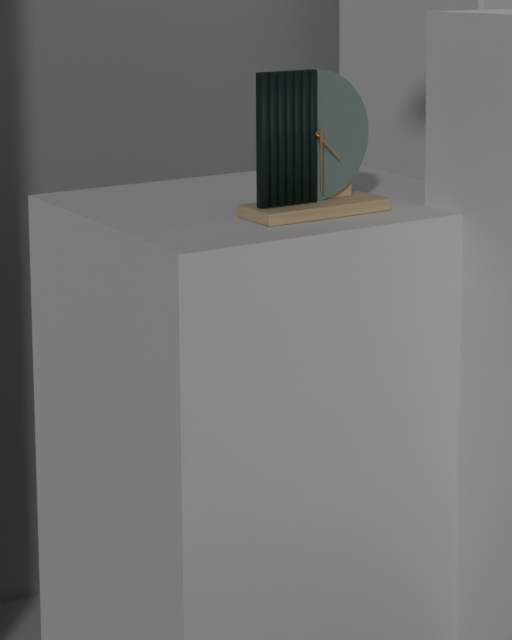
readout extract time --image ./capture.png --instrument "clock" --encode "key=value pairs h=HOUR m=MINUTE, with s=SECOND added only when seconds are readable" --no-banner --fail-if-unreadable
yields h=4 m=30
